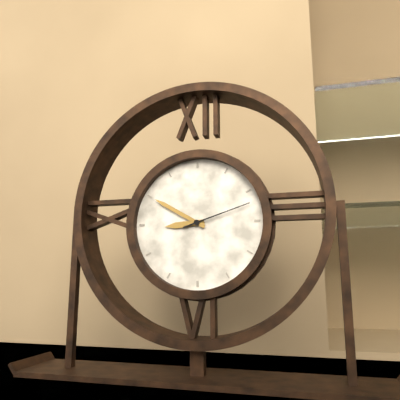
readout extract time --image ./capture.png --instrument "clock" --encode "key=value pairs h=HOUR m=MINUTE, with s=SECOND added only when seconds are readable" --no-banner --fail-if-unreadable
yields h=8 m=50 s=12
